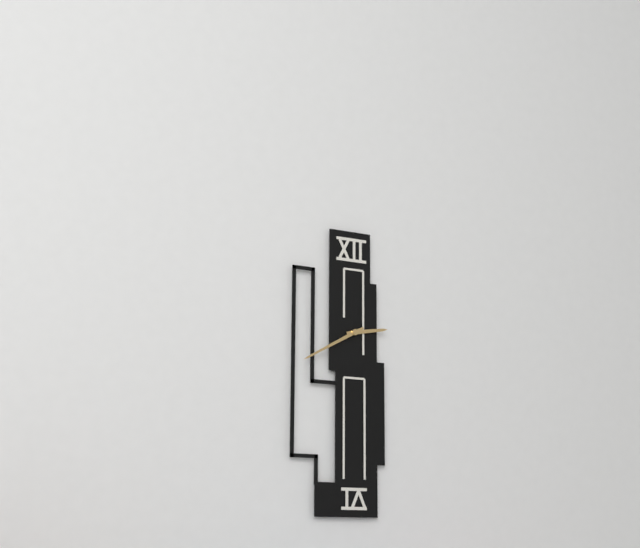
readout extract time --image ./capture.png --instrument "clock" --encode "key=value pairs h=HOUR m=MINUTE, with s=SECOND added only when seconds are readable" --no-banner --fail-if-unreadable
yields h=2 m=40
